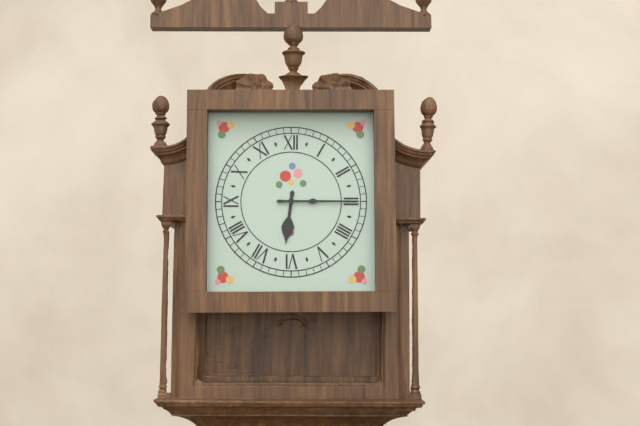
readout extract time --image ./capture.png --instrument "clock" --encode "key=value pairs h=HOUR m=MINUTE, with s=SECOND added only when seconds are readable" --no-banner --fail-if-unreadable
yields h=6 m=15
